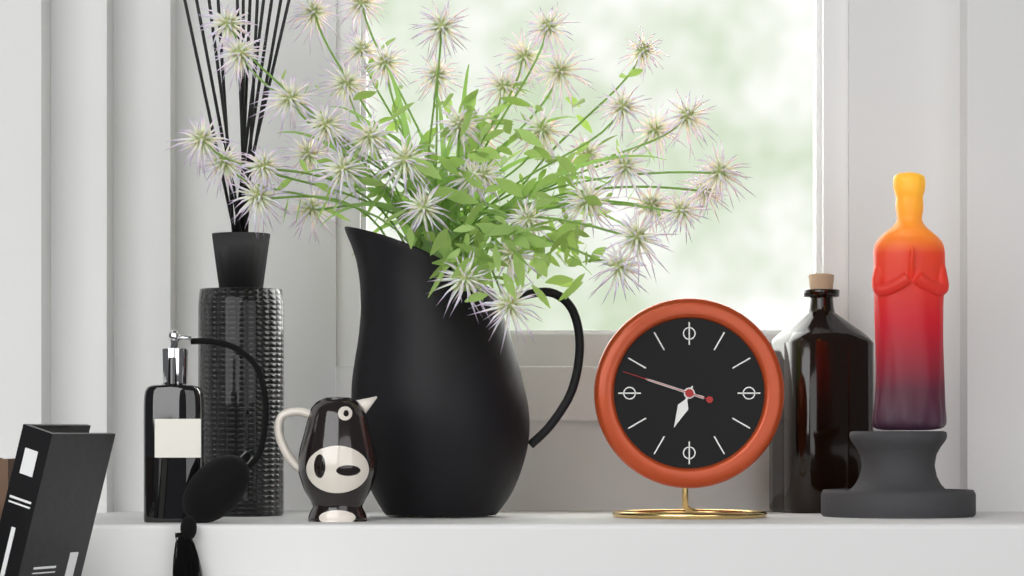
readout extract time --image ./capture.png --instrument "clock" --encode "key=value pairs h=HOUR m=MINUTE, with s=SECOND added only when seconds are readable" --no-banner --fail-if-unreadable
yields h=6 m=48 s=48
